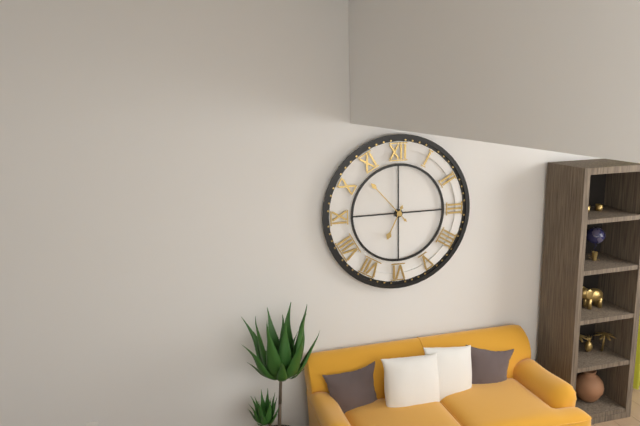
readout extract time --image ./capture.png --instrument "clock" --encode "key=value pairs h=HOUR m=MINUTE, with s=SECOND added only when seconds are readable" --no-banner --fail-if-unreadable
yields h=6 m=53
